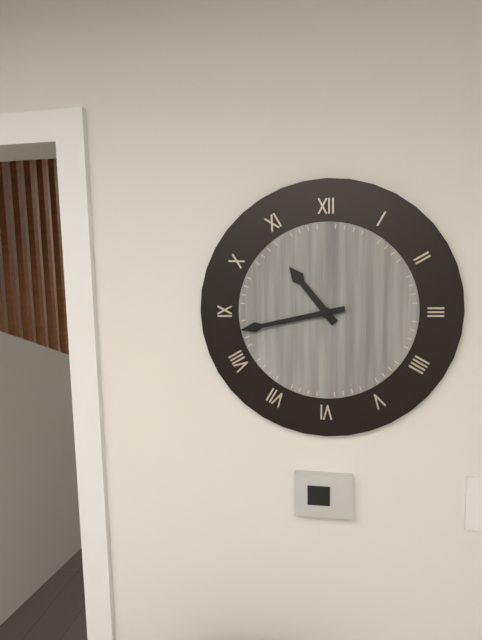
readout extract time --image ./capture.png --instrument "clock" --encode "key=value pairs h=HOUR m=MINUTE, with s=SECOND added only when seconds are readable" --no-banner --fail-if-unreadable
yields h=10 m=43
